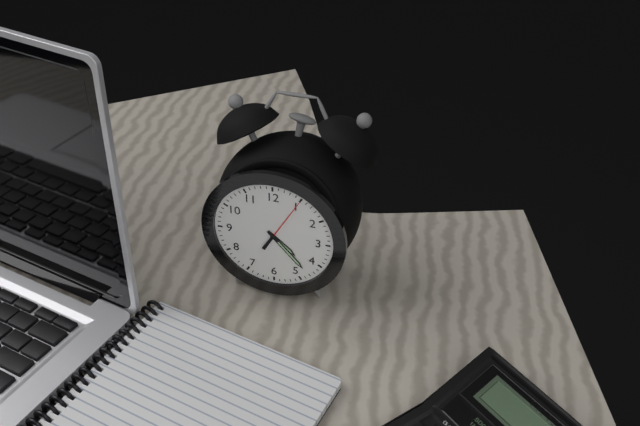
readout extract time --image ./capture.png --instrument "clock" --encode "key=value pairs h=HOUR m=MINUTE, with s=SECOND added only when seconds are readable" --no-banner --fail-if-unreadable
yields h=4 m=23
